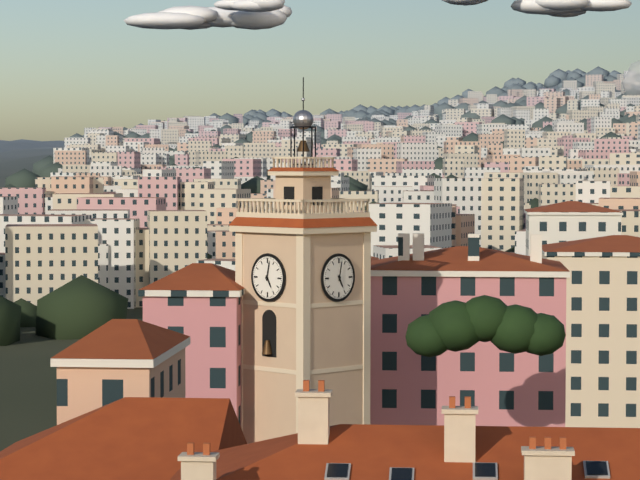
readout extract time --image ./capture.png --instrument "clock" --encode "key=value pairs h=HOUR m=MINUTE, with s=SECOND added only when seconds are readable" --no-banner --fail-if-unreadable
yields h=5 m=2
